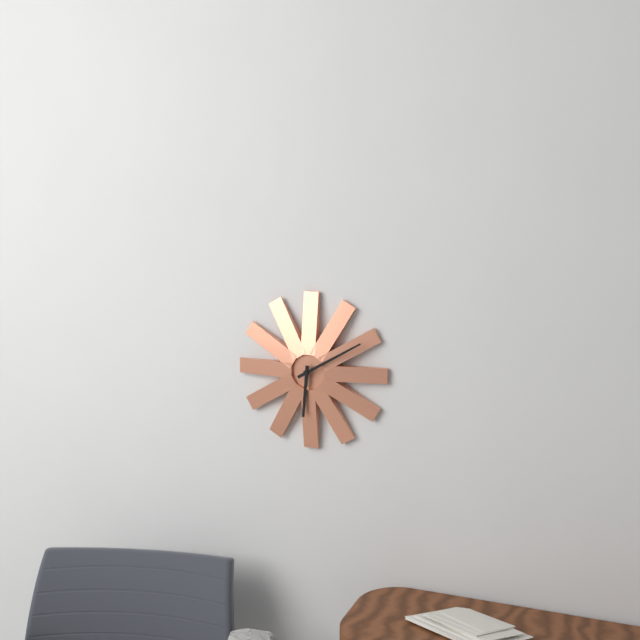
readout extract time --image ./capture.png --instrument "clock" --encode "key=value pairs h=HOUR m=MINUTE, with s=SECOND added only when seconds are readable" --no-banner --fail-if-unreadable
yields h=6 m=10
